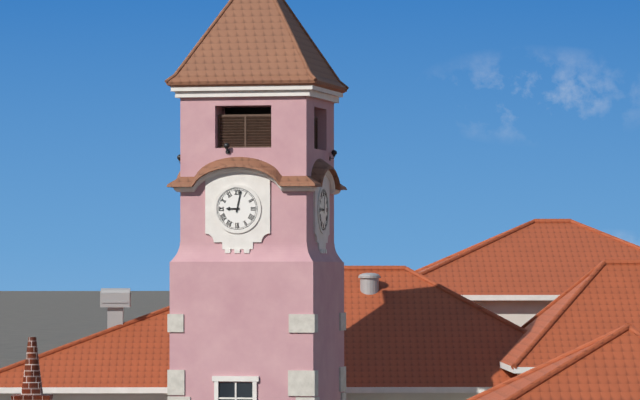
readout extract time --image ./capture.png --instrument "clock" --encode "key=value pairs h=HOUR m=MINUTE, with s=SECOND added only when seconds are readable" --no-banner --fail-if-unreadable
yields h=9 m=2
